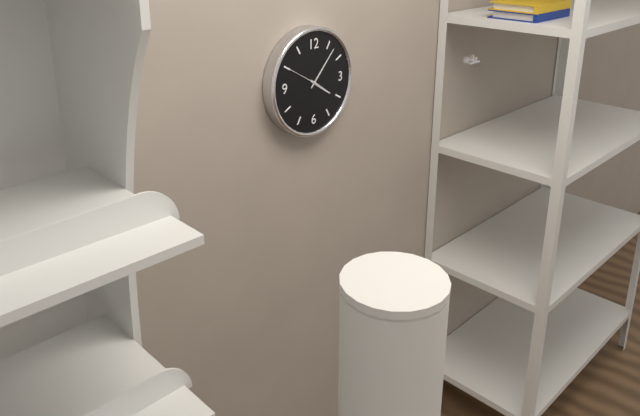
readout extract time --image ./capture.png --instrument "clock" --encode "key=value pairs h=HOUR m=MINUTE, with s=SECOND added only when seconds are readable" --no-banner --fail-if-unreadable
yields h=4 m=7
